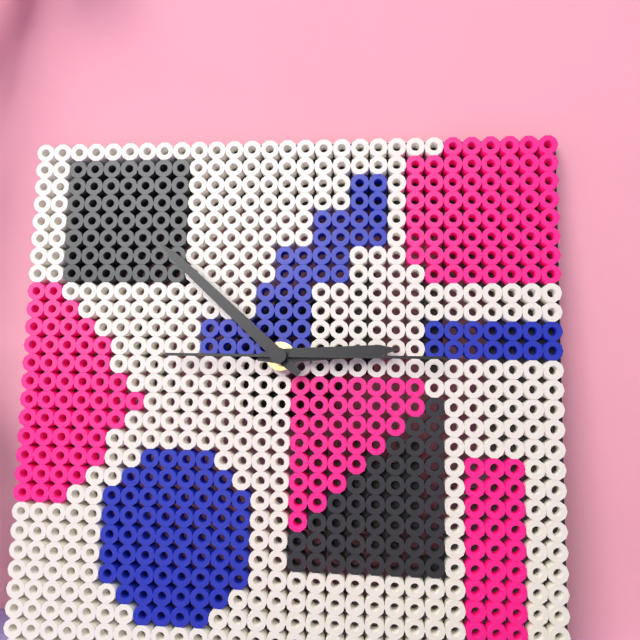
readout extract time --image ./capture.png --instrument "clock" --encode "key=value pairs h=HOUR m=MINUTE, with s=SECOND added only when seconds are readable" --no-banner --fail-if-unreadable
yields h=2 m=52 s=15
